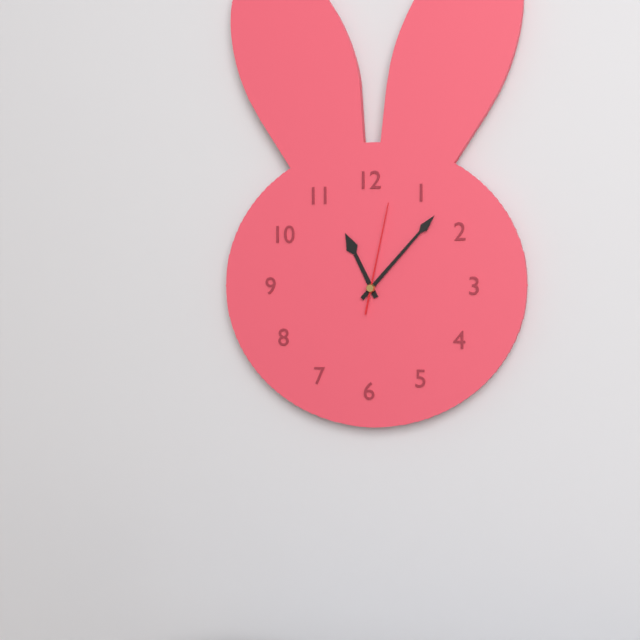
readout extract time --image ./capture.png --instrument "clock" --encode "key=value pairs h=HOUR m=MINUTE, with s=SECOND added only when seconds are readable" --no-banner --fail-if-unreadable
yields h=11 m=7 s=2
